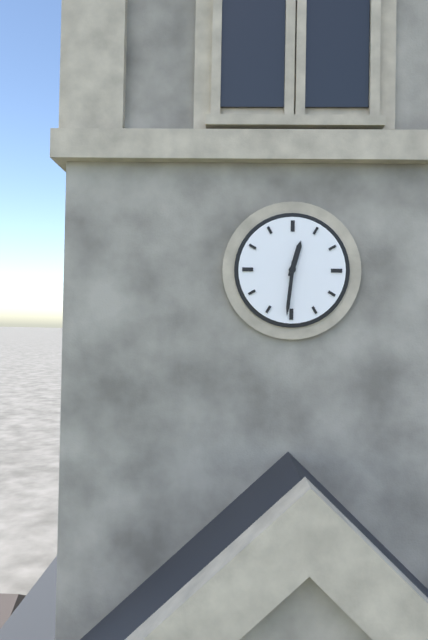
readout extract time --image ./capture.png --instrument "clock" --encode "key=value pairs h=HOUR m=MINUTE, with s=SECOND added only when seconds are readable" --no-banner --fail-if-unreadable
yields h=12 m=31
